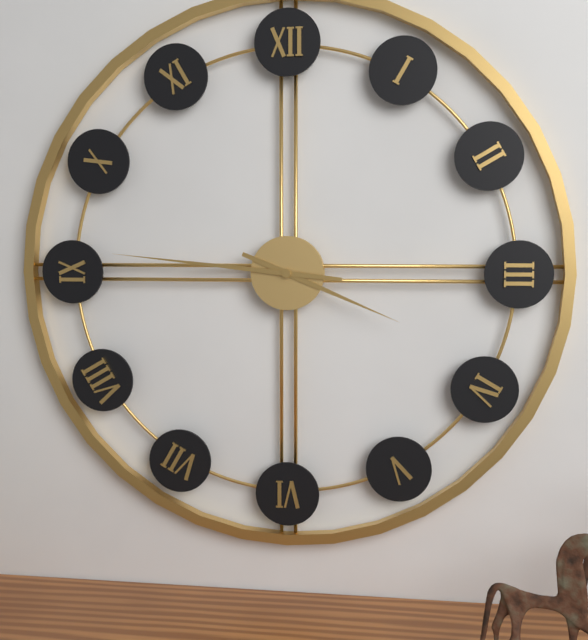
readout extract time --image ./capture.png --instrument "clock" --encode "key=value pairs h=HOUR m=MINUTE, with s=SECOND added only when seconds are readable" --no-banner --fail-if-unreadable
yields h=3 m=46
